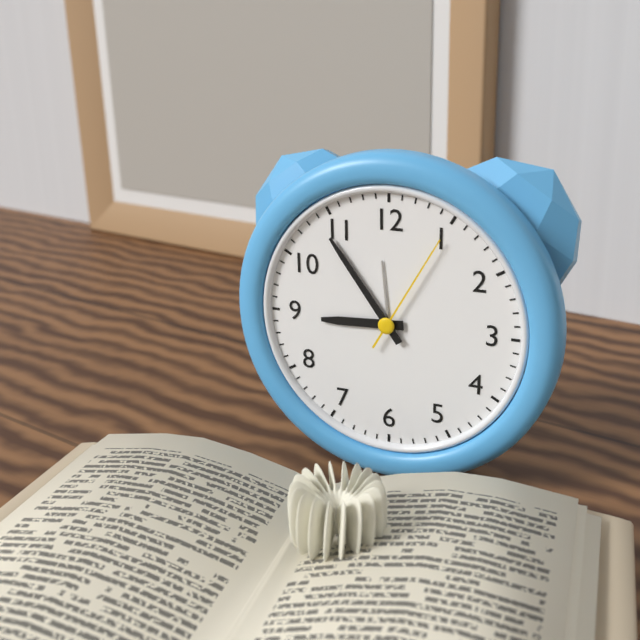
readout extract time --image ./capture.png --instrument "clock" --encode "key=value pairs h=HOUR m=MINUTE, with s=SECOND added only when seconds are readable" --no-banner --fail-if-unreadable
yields h=8 m=54 s=5
